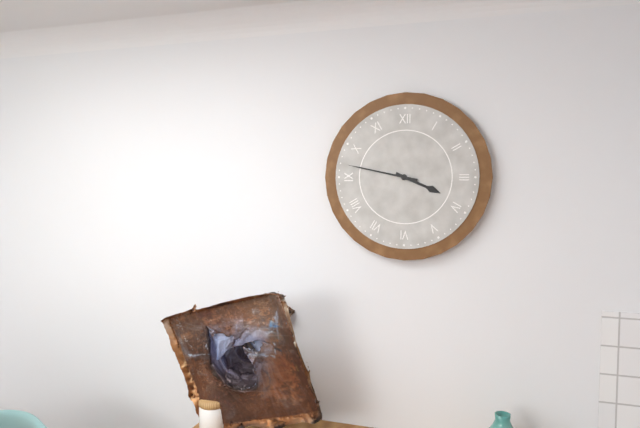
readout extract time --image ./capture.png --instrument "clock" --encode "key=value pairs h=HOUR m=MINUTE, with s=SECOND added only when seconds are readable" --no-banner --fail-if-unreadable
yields h=3 m=47
